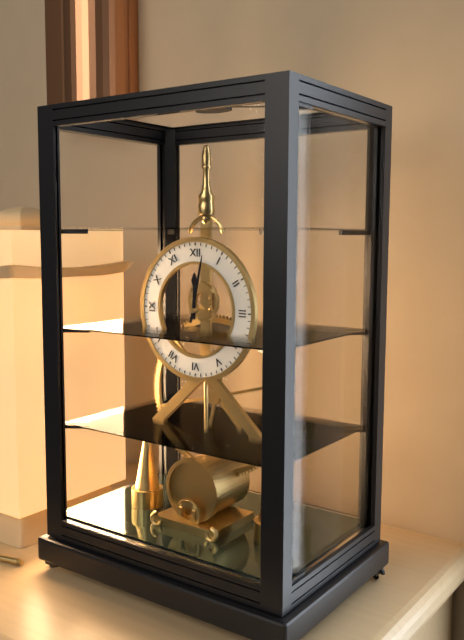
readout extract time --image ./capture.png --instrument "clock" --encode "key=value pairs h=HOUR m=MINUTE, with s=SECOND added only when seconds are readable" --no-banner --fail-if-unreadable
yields h=12 m=2
